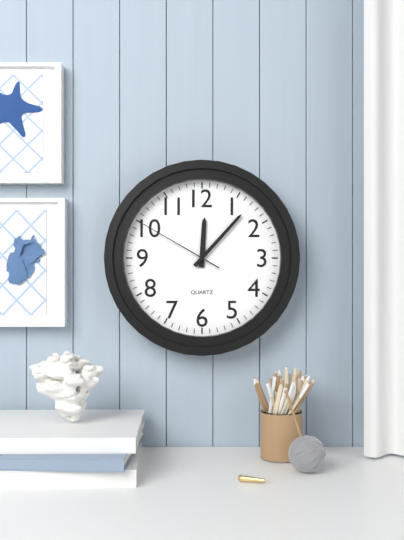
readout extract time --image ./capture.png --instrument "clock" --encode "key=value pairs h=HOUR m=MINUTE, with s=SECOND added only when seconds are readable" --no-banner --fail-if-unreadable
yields h=12 m=7 s=50
